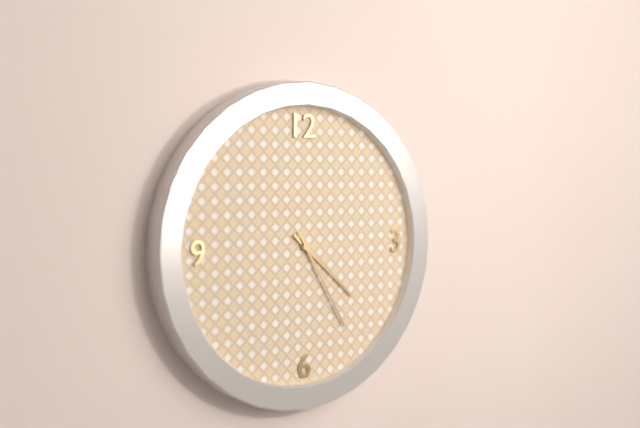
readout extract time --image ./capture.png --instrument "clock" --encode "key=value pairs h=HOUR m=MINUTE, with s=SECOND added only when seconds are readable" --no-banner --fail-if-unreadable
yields h=4 m=25
